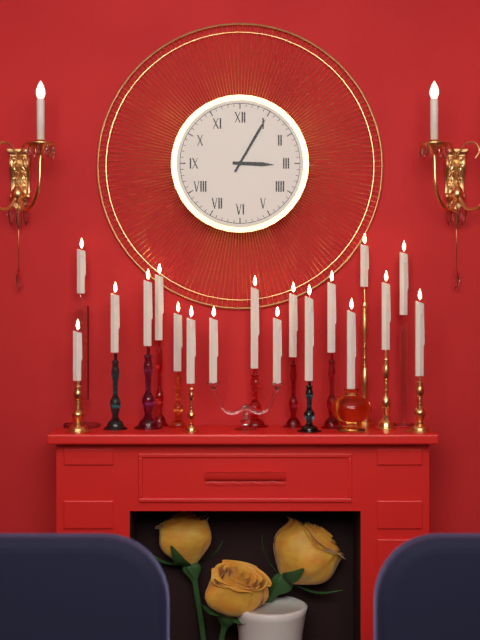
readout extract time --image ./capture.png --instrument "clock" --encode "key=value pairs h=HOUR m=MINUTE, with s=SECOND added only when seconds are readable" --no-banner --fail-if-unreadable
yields h=3 m=5
